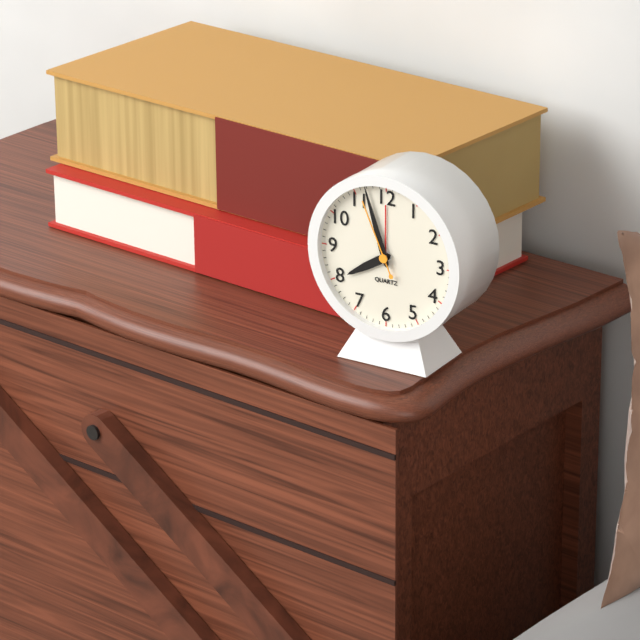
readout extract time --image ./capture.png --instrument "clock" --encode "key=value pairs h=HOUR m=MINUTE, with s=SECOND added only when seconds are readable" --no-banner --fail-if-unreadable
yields h=7 m=57 s=56
